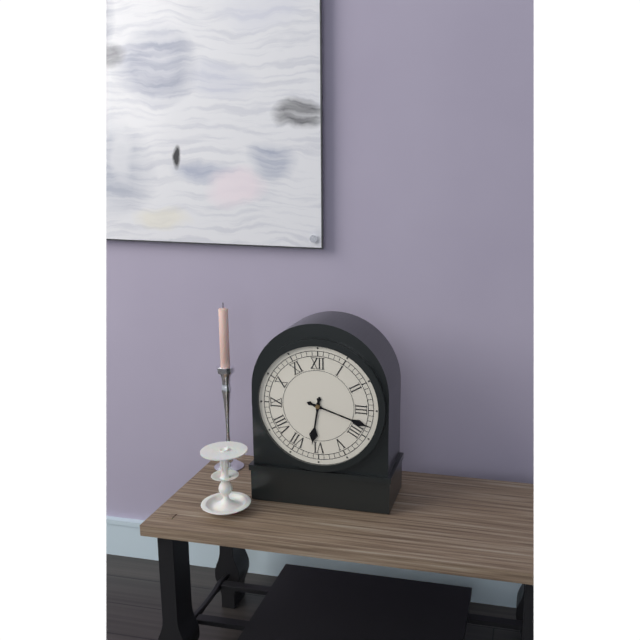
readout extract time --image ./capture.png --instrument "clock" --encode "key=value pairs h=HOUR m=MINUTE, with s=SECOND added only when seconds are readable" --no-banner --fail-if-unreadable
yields h=6 m=18
